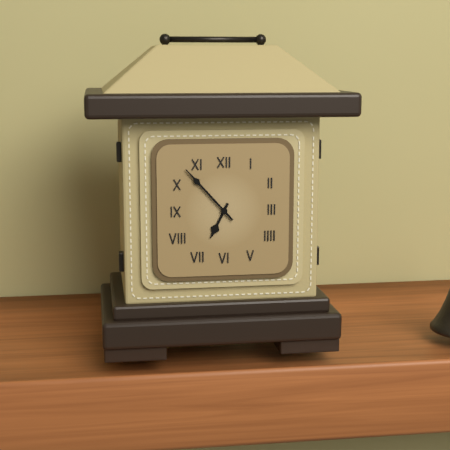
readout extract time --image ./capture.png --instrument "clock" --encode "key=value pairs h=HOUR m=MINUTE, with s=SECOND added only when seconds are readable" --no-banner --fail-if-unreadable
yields h=6 m=53
